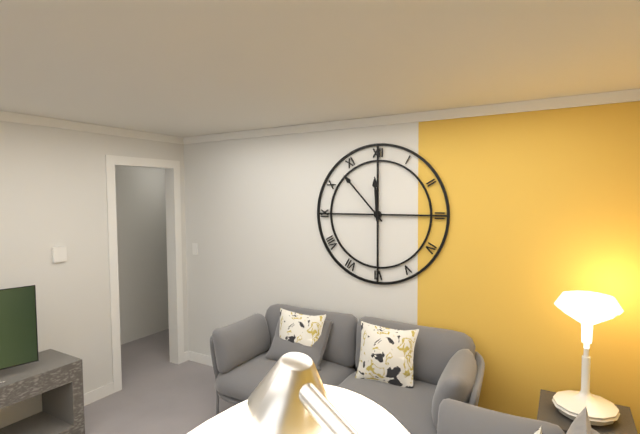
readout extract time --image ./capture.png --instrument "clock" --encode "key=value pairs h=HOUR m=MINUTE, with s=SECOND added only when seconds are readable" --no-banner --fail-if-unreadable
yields h=11 m=53
